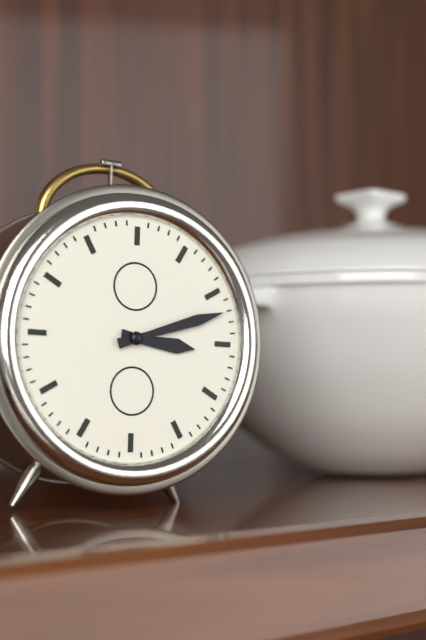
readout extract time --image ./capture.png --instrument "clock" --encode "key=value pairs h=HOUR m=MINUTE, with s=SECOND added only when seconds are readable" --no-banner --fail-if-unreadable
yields h=3 m=12
